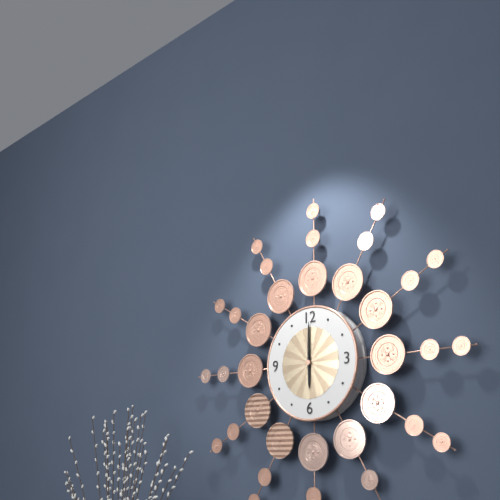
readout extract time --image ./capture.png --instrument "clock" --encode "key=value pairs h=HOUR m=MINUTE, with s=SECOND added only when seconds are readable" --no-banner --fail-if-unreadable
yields h=6 m=0
